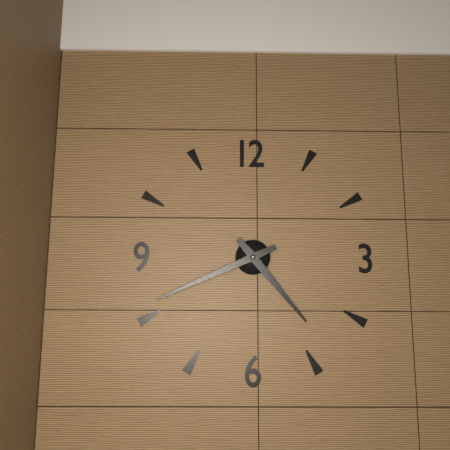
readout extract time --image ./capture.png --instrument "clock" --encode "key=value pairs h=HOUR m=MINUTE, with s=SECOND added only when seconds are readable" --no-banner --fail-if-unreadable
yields h=4 m=41
